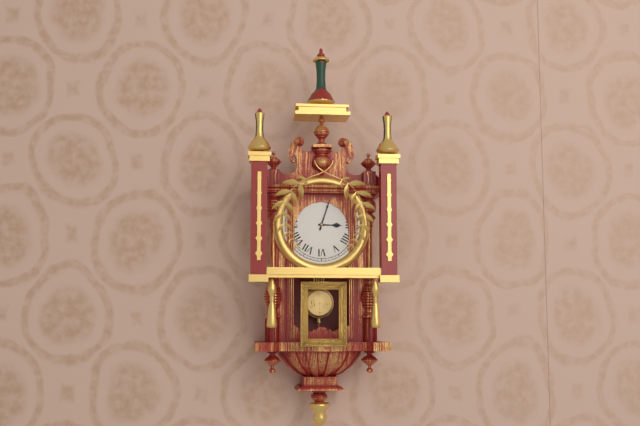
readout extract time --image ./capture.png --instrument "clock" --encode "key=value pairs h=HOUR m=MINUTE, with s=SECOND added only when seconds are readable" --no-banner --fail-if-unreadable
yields h=3 m=3
